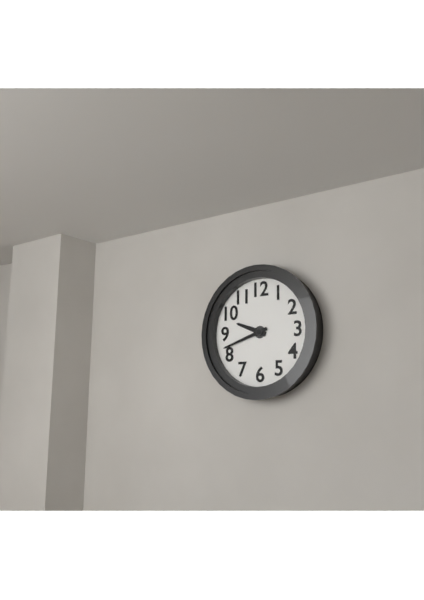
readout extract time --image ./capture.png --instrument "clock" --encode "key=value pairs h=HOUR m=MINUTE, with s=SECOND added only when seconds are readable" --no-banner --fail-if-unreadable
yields h=9 m=42
